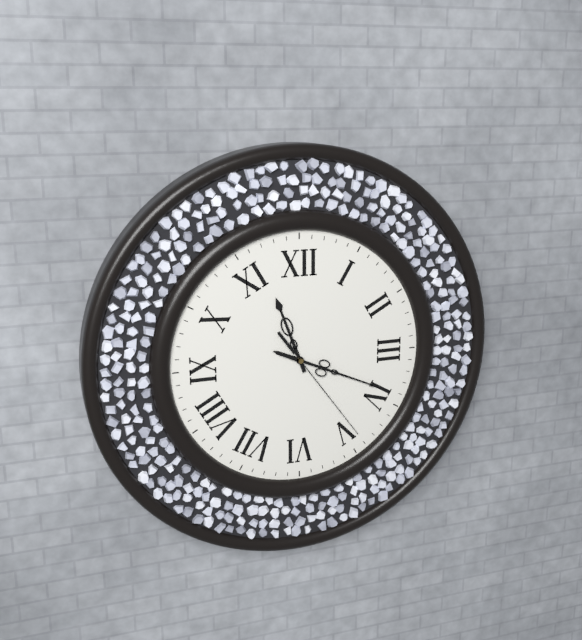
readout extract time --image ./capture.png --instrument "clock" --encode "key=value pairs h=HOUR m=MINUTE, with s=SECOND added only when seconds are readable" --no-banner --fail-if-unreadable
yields h=11 m=19 s=24
